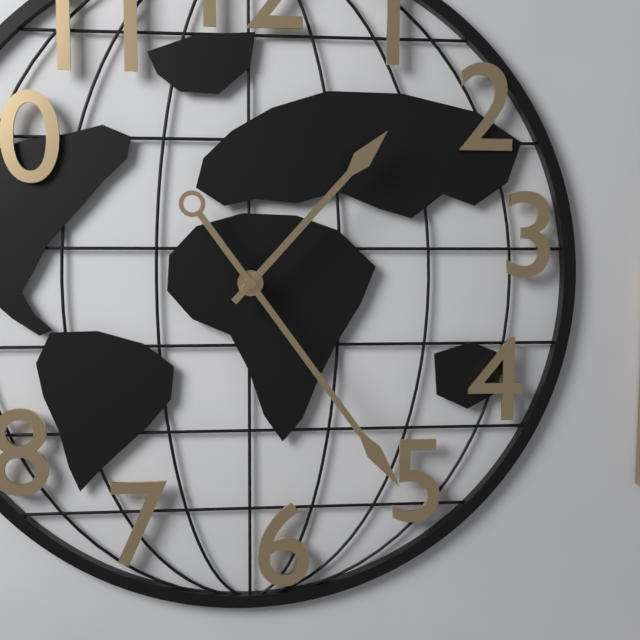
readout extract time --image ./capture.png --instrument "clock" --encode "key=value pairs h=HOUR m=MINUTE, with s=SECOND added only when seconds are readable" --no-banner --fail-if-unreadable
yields h=1 m=24
